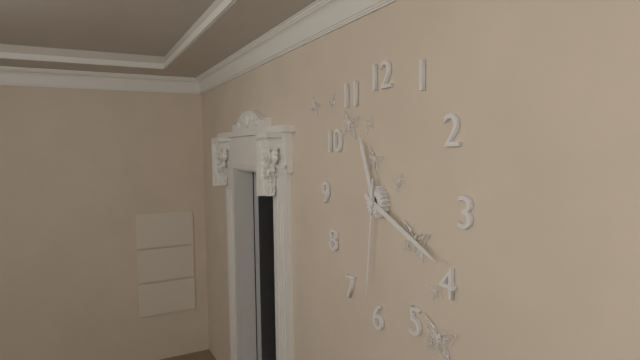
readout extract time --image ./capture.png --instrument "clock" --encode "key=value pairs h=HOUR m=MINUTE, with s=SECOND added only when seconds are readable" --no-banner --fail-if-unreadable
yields h=11 m=19 s=31
